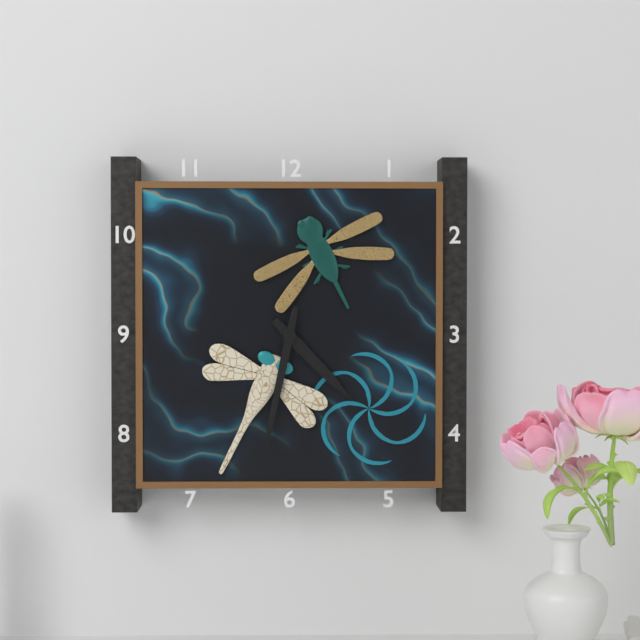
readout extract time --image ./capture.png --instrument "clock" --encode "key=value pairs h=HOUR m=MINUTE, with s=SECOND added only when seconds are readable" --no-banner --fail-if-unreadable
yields h=4 m=32
